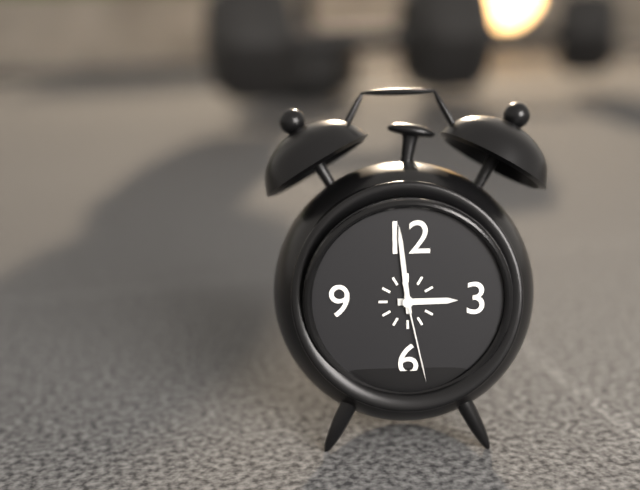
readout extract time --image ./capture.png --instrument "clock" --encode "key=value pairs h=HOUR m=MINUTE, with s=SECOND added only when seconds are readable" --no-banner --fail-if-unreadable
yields h=2 m=59 s=28
